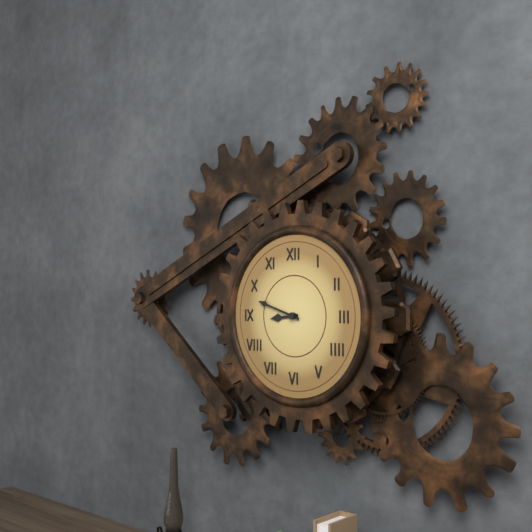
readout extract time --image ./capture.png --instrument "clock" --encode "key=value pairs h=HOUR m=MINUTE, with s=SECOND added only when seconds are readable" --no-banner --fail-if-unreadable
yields h=8 m=48
